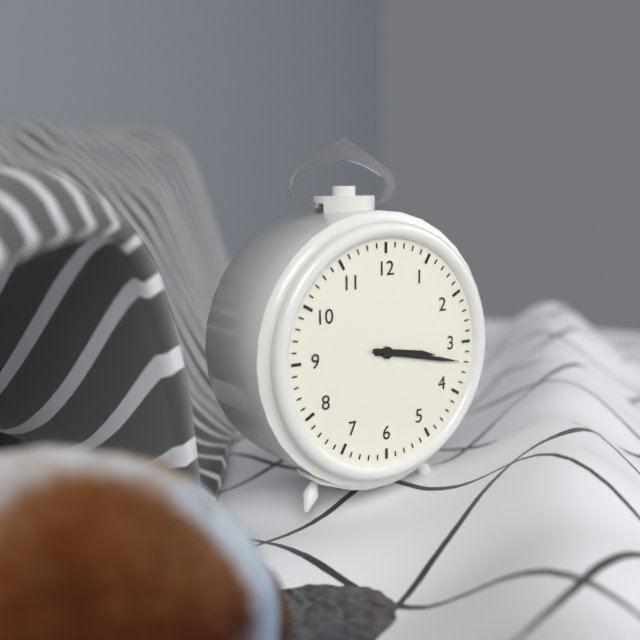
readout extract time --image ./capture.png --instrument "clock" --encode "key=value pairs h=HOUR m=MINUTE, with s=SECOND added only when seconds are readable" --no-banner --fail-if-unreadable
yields h=3 m=17
